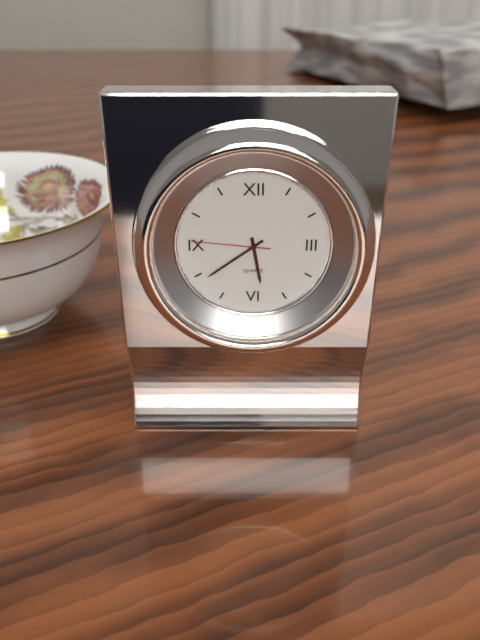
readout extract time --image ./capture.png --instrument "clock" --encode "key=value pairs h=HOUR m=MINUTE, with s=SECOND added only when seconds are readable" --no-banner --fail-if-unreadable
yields h=5 m=39 s=46
